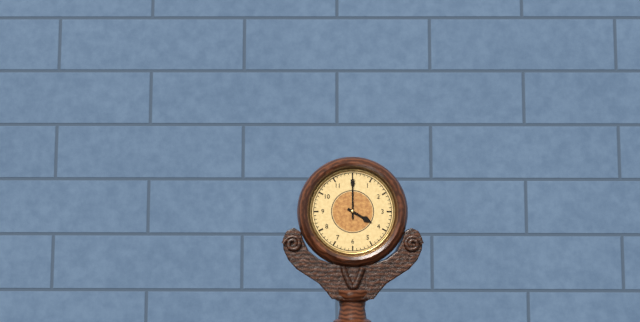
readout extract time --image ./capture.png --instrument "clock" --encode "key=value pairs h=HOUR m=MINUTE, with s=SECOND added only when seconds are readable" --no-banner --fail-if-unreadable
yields h=4 m=0
